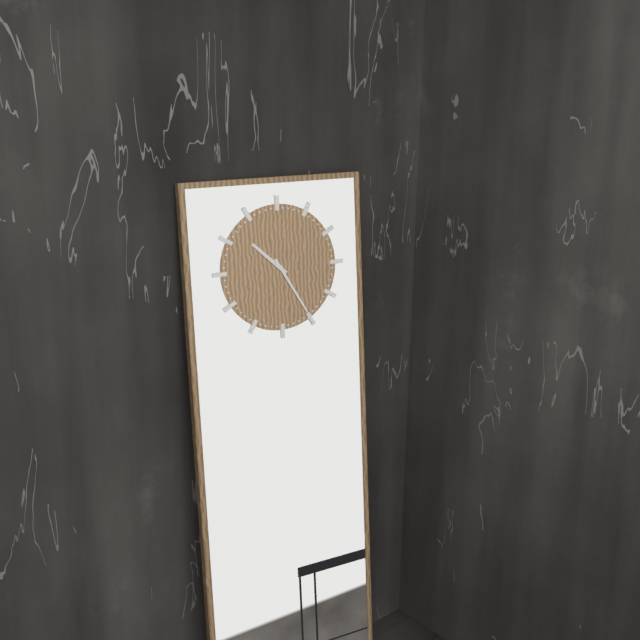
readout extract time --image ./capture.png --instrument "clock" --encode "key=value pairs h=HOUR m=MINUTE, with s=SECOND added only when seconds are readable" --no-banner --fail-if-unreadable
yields h=10 m=25
